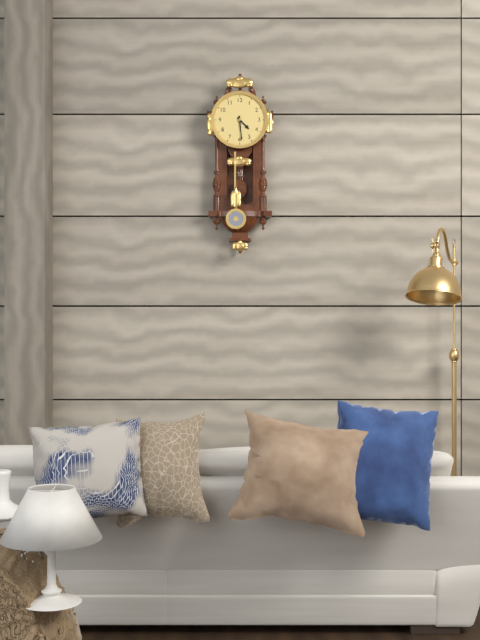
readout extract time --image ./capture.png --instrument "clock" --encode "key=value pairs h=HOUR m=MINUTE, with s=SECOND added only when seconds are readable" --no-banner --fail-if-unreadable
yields h=4 m=29
